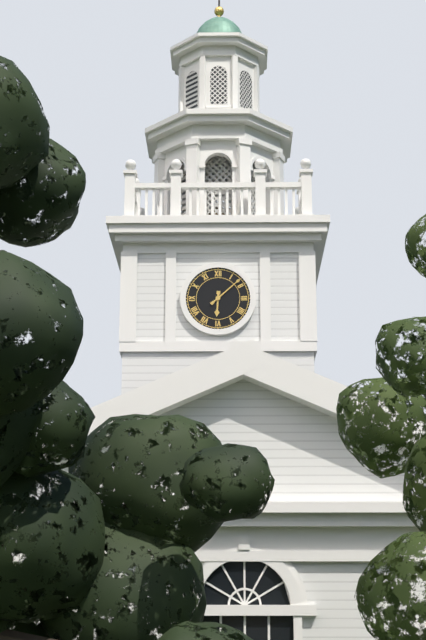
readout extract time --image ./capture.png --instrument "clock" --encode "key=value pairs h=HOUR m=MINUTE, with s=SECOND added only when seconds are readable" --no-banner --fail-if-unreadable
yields h=6 m=8
